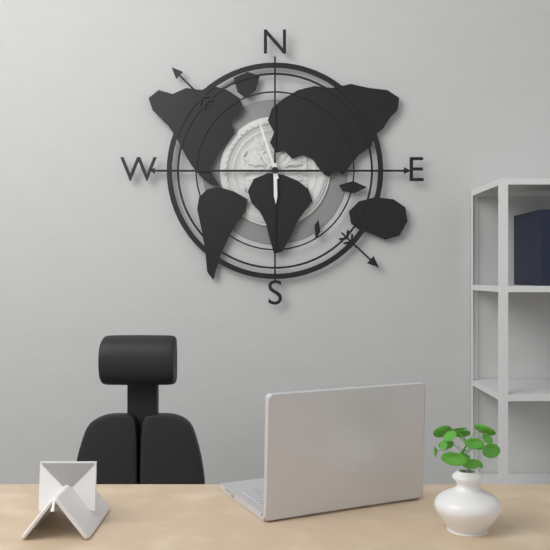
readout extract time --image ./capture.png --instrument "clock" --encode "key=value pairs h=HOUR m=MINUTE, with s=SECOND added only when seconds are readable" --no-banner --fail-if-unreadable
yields h=5 m=57
